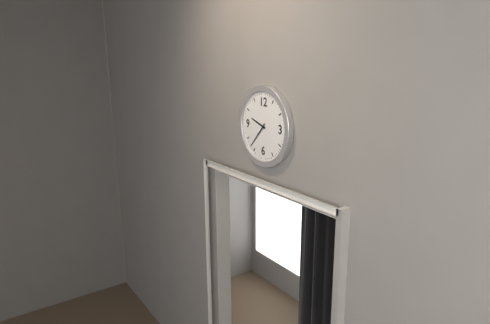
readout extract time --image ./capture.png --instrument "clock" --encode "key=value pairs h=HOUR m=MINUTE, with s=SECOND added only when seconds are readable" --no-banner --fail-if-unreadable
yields h=9 m=37
